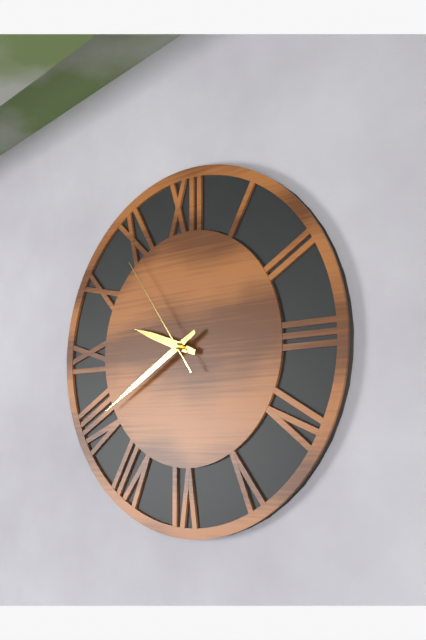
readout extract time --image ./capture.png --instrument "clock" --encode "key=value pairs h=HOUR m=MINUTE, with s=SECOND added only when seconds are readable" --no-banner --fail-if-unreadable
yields h=9 m=40 s=54
